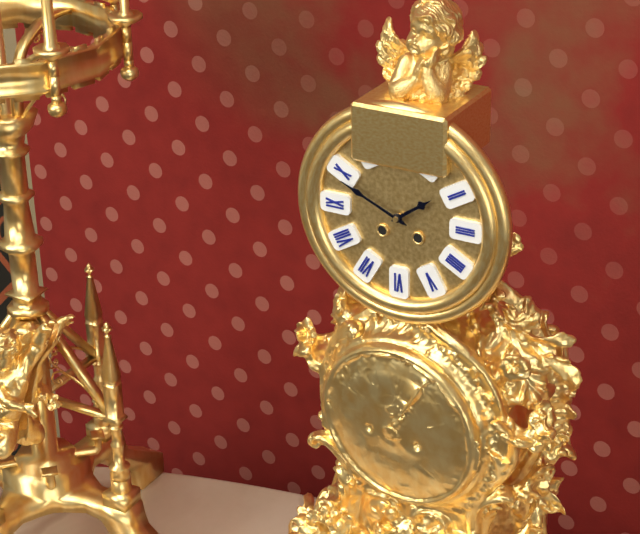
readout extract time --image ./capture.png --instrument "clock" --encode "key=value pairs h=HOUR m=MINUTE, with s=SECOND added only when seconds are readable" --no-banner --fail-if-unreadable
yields h=1 m=49
